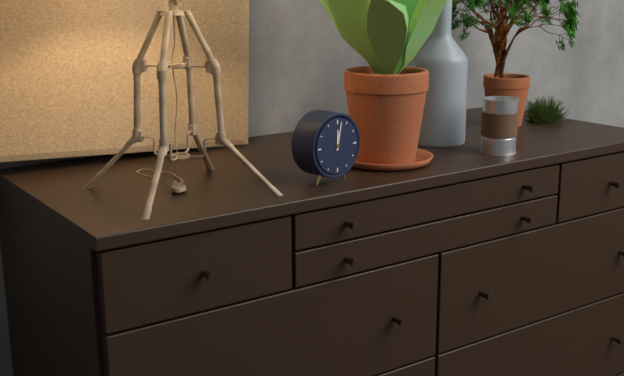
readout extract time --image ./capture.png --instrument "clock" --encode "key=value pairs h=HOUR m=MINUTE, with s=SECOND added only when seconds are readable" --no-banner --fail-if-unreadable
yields h=12 m=2
